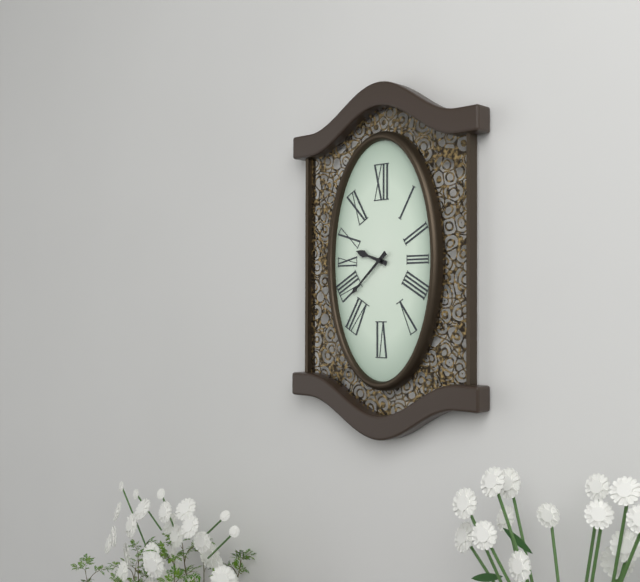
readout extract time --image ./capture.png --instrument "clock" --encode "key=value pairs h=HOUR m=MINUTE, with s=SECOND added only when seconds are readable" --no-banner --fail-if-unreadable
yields h=9 m=38
